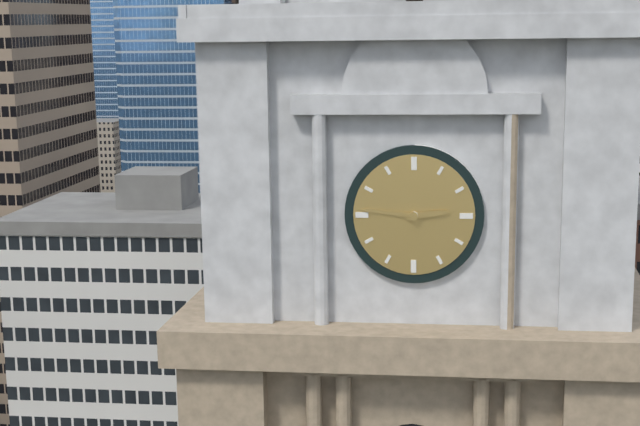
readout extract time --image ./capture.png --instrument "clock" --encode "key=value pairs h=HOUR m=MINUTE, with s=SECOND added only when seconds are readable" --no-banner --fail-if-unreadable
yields h=2 m=46
